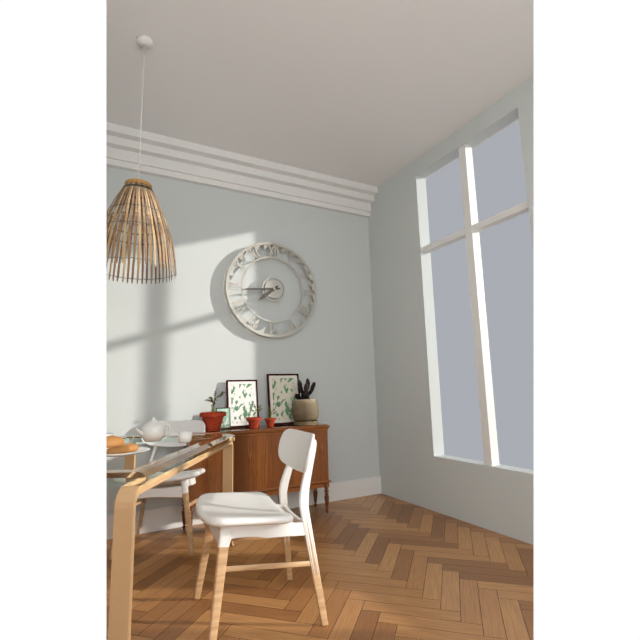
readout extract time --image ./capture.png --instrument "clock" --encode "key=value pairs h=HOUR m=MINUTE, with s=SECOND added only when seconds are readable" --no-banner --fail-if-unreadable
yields h=7 m=44
